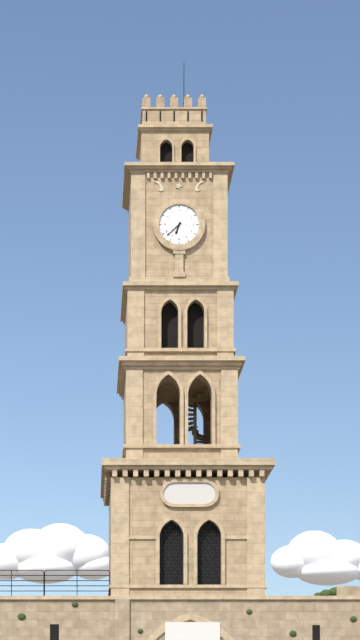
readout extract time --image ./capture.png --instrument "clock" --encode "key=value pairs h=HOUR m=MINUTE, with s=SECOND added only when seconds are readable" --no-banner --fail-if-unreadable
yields h=6 m=38
